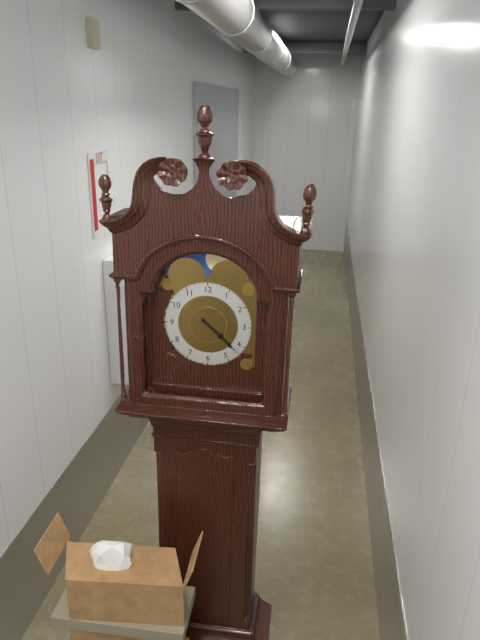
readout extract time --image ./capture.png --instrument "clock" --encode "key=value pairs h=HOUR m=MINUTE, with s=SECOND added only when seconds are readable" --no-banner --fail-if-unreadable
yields h=4 m=22
